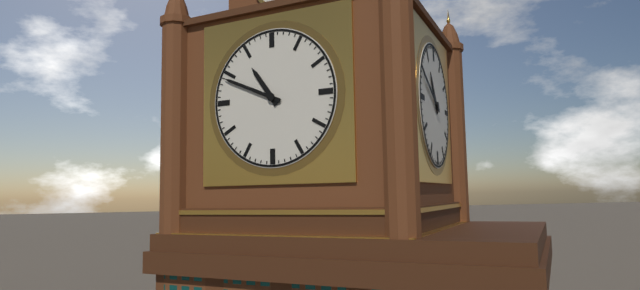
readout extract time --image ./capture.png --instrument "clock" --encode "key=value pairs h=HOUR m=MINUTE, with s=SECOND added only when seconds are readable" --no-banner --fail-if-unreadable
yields h=10 m=49
